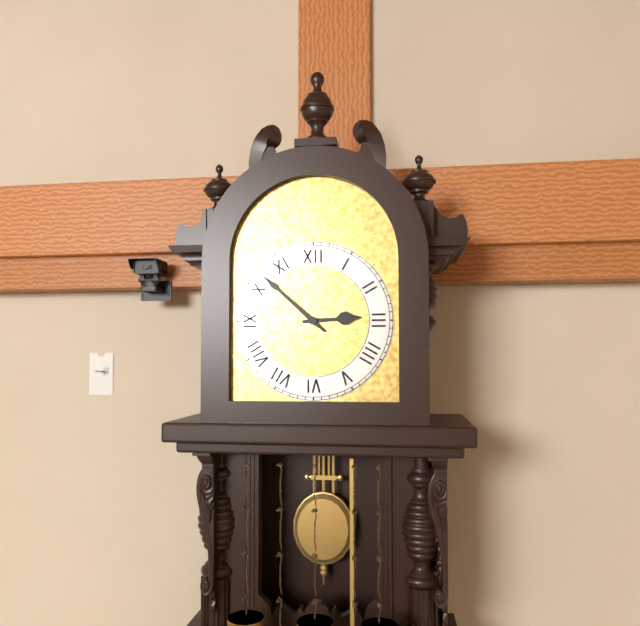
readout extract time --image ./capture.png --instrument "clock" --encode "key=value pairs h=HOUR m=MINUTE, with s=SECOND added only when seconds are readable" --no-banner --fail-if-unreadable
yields h=2 m=52
